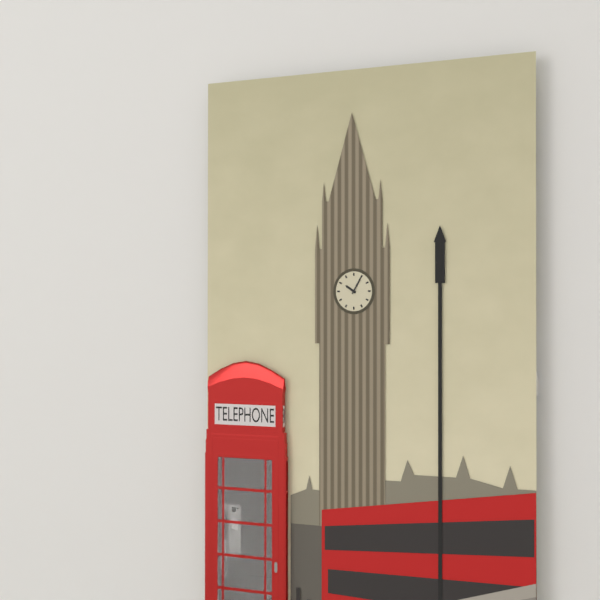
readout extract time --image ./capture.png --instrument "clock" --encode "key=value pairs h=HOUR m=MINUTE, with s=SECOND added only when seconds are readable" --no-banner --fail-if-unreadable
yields h=10 m=5
